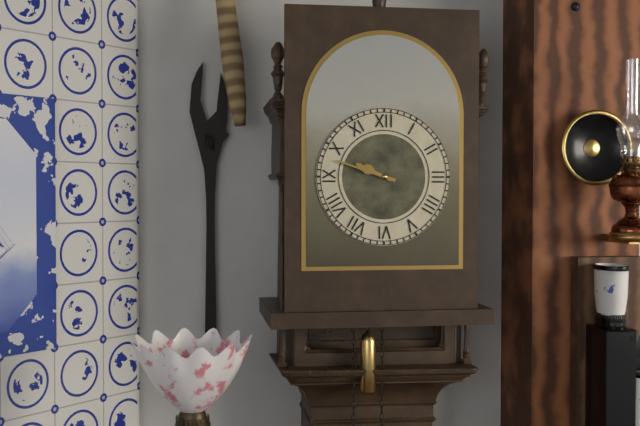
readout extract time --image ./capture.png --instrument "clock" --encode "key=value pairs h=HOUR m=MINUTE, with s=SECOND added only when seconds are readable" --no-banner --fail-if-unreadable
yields h=9 m=48
